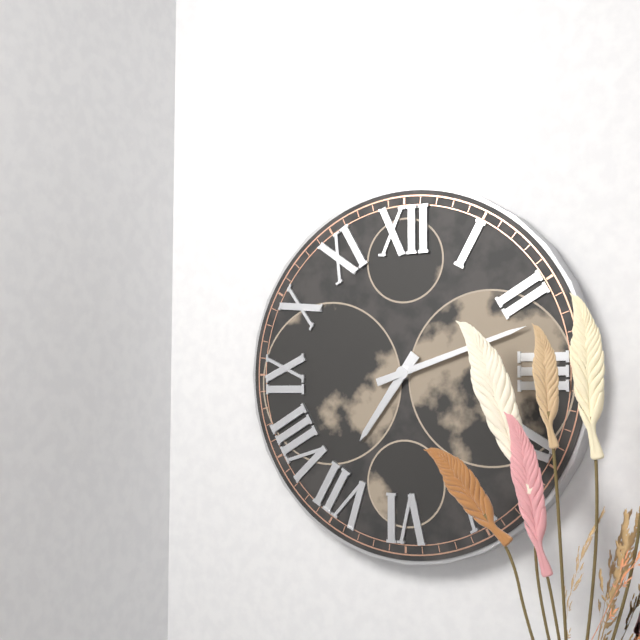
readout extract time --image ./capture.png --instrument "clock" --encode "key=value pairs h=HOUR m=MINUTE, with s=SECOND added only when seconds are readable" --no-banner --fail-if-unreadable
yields h=7 m=12
